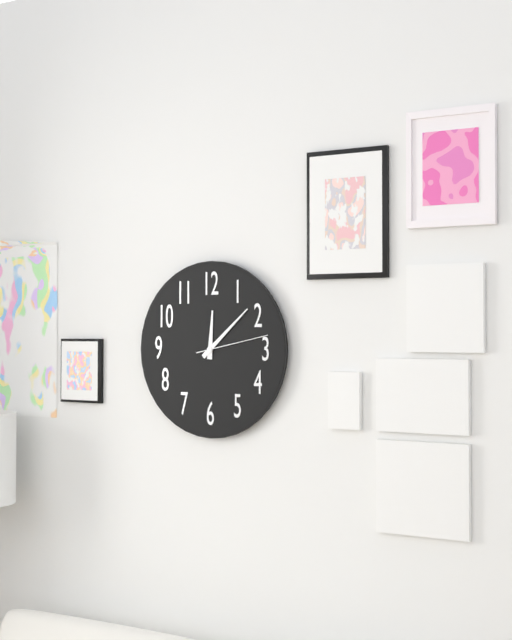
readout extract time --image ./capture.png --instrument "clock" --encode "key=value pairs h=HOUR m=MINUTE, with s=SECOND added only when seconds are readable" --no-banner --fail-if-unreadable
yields h=12 m=8 s=13
